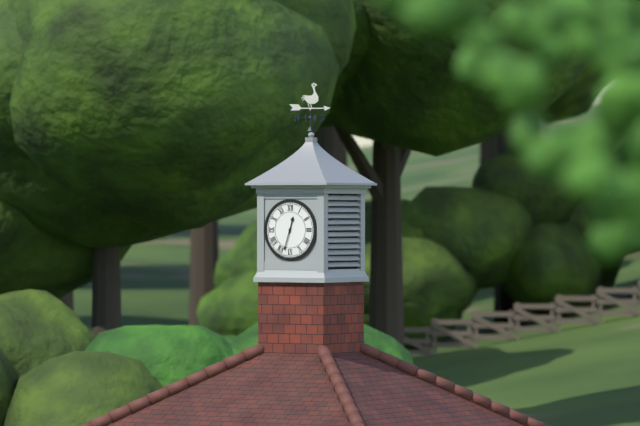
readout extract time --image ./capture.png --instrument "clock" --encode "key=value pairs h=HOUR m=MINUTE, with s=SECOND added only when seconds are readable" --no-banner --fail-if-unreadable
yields h=12 m=33
